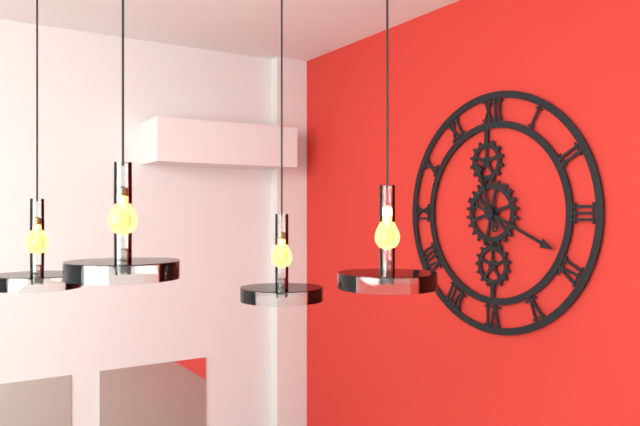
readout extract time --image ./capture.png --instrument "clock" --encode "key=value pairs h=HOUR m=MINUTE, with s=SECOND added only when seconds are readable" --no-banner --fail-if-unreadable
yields h=11 m=19
